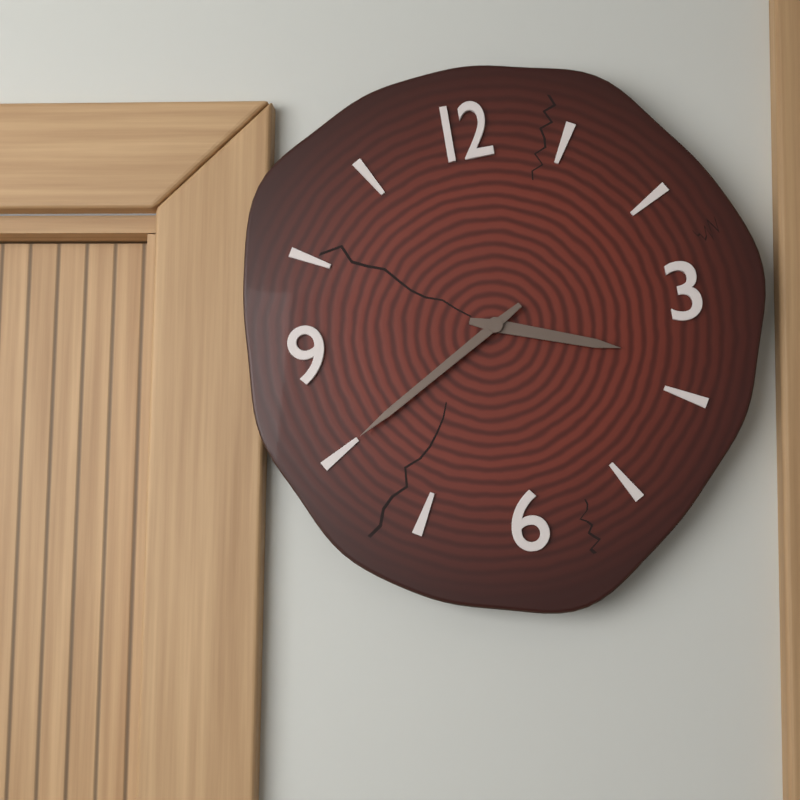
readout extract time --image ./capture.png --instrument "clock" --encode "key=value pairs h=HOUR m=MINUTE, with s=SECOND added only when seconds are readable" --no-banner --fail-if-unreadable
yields h=3 m=40
